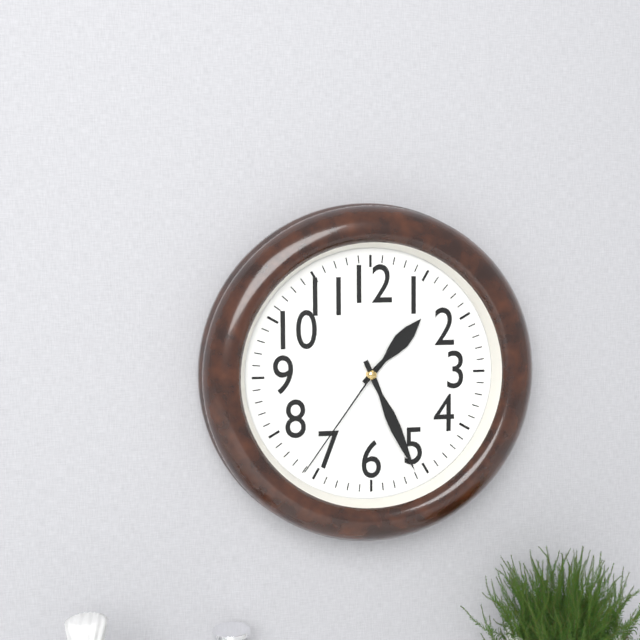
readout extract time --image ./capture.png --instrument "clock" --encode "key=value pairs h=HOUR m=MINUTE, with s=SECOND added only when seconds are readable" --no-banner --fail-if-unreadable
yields h=1 m=26 s=36
